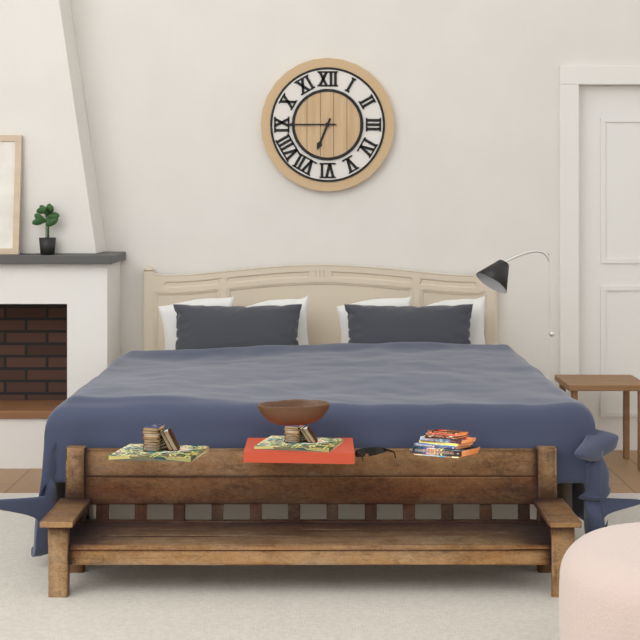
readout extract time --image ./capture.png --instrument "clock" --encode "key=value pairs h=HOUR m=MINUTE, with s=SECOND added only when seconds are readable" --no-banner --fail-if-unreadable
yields h=6 m=45
